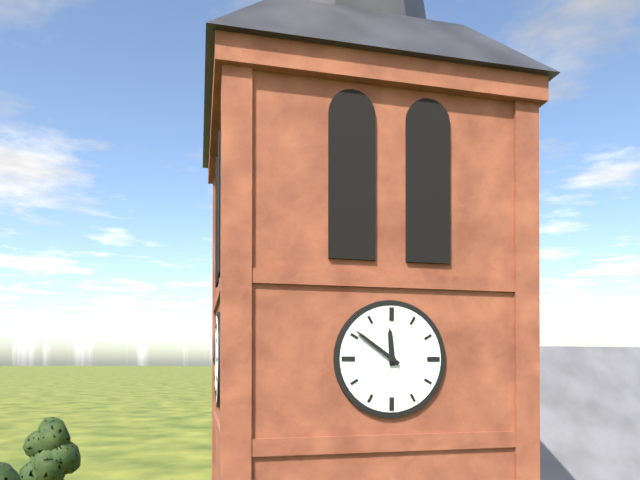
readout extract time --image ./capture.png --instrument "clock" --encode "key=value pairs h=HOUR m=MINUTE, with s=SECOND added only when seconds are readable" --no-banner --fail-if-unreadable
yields h=11 m=51
